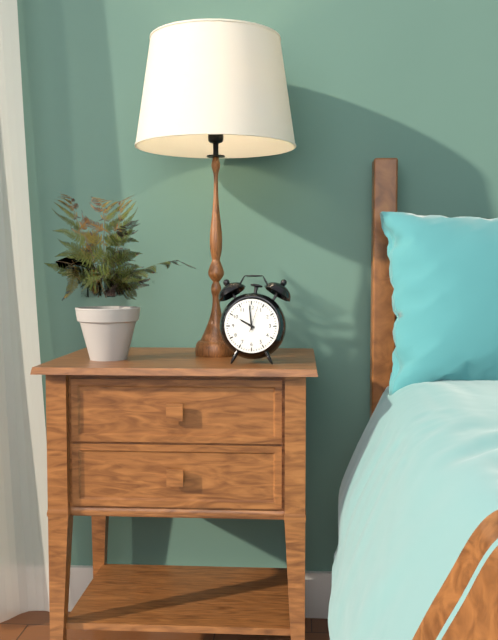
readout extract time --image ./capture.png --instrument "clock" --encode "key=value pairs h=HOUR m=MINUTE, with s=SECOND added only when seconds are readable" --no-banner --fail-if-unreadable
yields h=9 m=59
